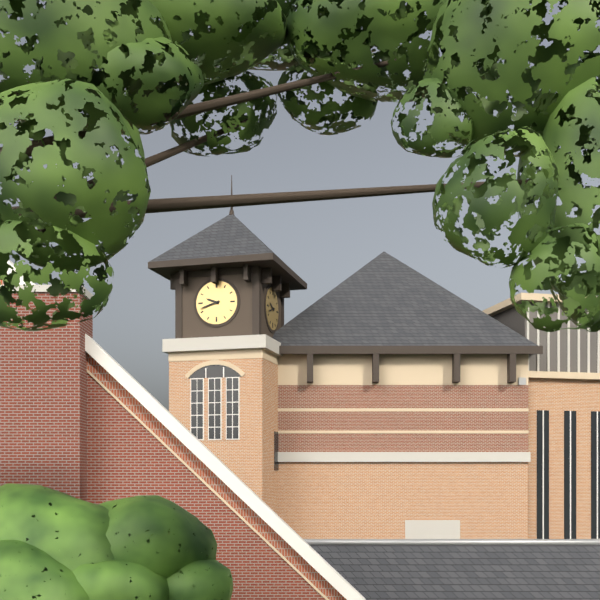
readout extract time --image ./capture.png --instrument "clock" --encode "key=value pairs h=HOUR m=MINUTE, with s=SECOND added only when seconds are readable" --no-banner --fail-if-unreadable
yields h=9 m=42
